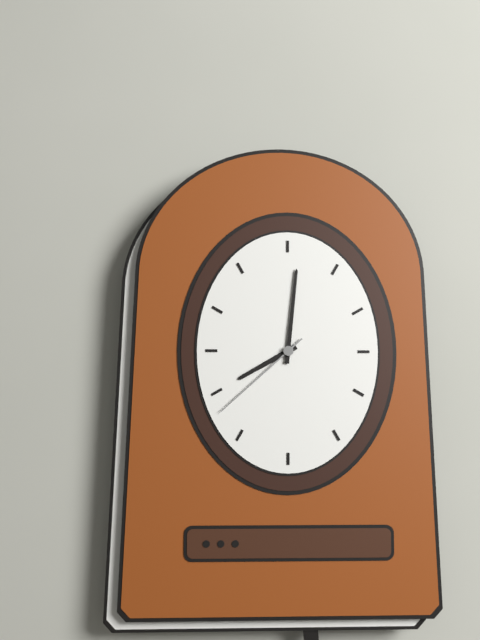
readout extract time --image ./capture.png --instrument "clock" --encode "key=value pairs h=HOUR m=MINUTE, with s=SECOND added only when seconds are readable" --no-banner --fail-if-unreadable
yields h=8 m=1 s=38
